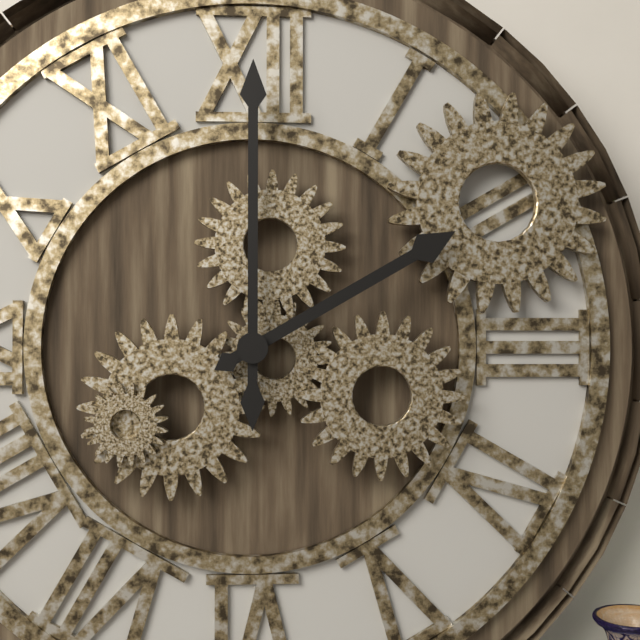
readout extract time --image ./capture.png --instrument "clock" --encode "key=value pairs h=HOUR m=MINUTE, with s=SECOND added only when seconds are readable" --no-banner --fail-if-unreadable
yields h=2 m=0
